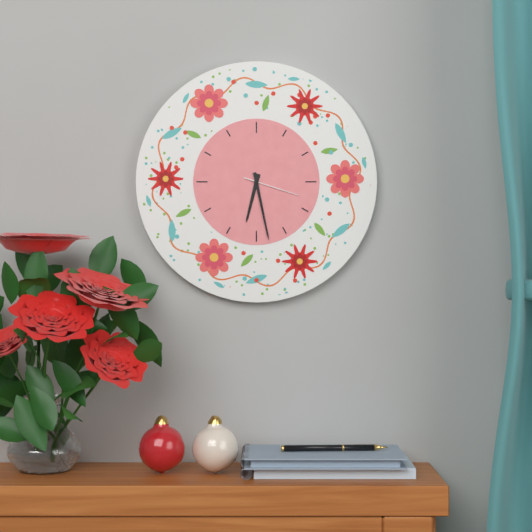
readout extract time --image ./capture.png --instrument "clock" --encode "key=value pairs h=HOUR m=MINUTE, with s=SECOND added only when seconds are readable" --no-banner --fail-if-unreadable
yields h=6 m=28 s=18
